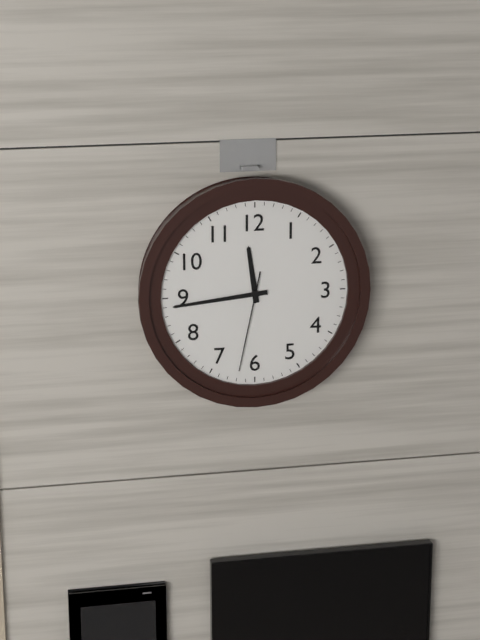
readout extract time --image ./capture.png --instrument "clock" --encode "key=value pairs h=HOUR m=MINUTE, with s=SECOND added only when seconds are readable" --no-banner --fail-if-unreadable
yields h=11 m=44 s=32
